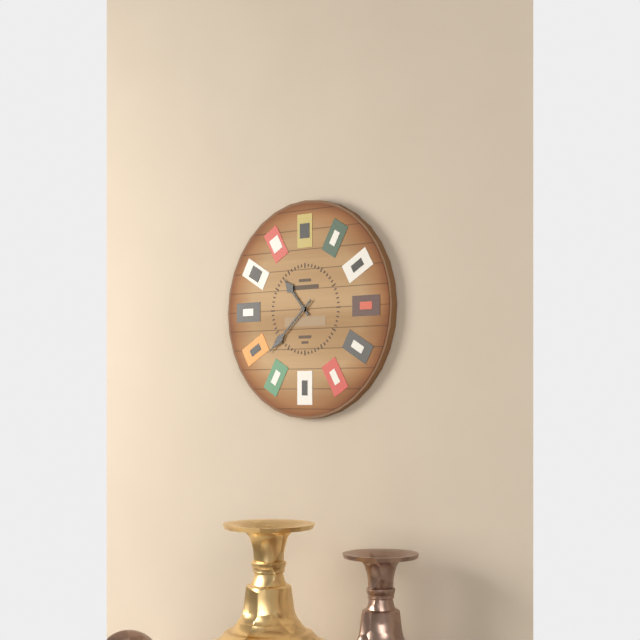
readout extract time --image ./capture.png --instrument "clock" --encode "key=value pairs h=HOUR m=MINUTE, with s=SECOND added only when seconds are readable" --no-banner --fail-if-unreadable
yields h=10 m=38
